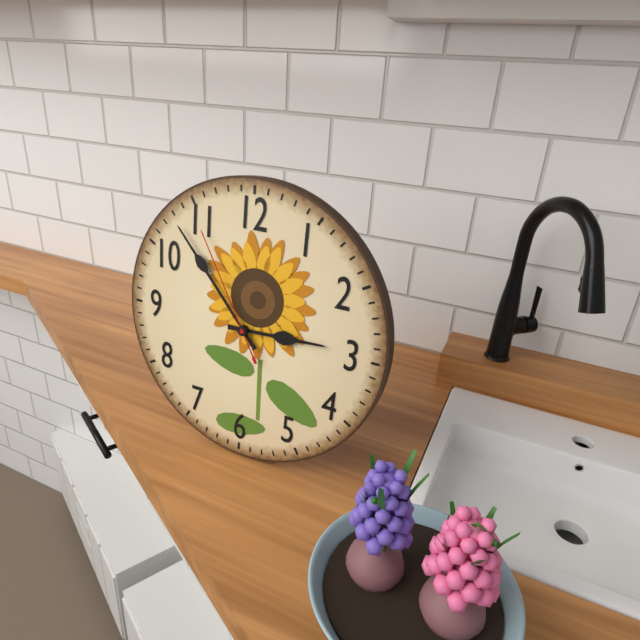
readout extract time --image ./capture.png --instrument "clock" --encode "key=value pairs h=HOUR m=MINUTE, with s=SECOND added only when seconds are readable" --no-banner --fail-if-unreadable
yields h=2 m=53 s=55
